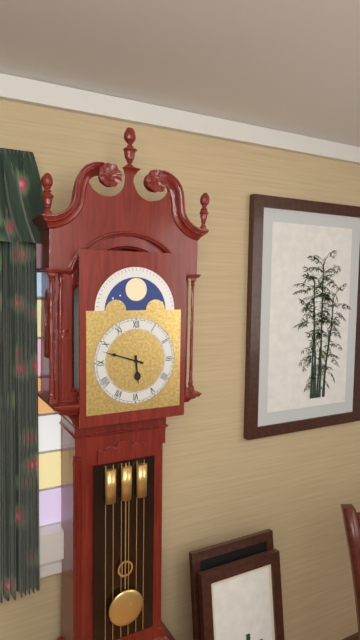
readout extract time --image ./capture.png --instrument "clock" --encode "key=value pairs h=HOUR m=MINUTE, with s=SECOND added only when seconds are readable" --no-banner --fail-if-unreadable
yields h=5 m=48
